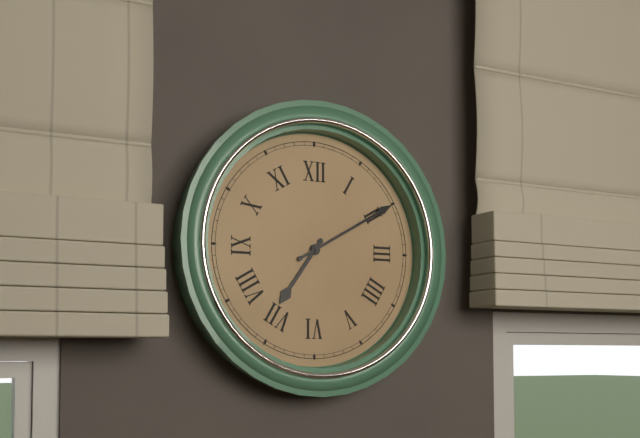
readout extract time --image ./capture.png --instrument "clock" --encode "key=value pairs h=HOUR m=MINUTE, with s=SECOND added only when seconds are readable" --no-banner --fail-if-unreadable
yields h=7 m=10
